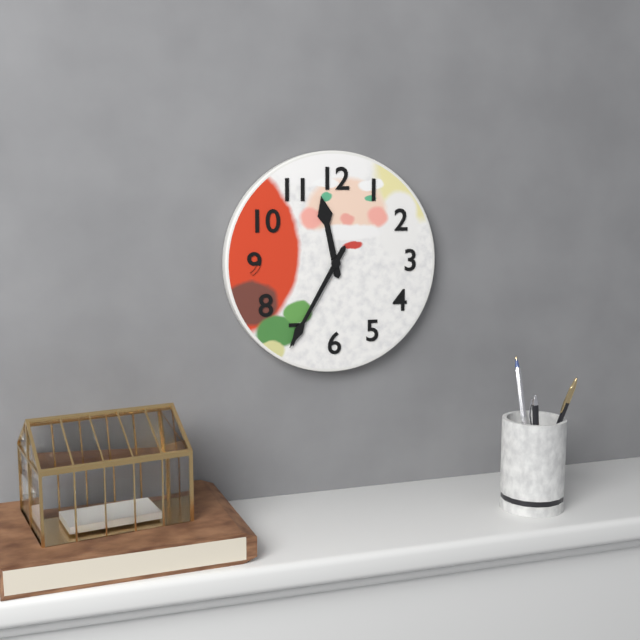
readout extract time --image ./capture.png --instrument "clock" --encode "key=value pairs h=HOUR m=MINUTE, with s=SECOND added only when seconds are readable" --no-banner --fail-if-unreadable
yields h=11 m=35
